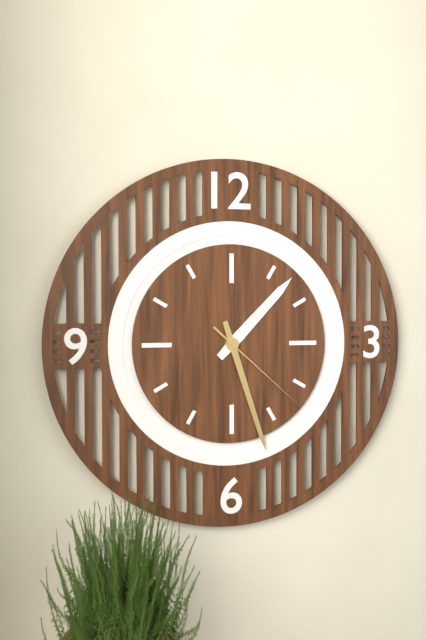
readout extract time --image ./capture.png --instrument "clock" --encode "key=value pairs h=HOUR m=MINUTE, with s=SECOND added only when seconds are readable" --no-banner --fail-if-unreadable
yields h=1 m=27 s=22
